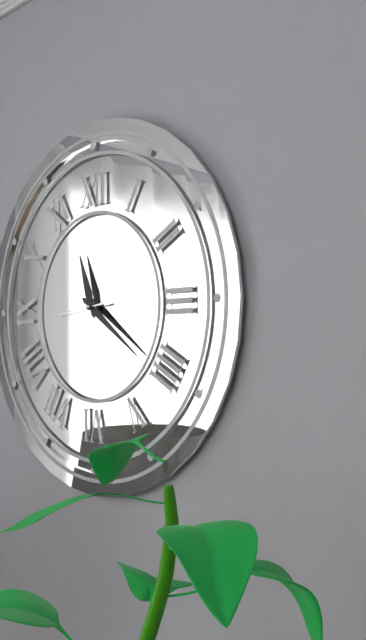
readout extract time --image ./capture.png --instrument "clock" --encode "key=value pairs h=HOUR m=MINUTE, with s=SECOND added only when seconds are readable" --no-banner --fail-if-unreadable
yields h=11 m=21 s=44
